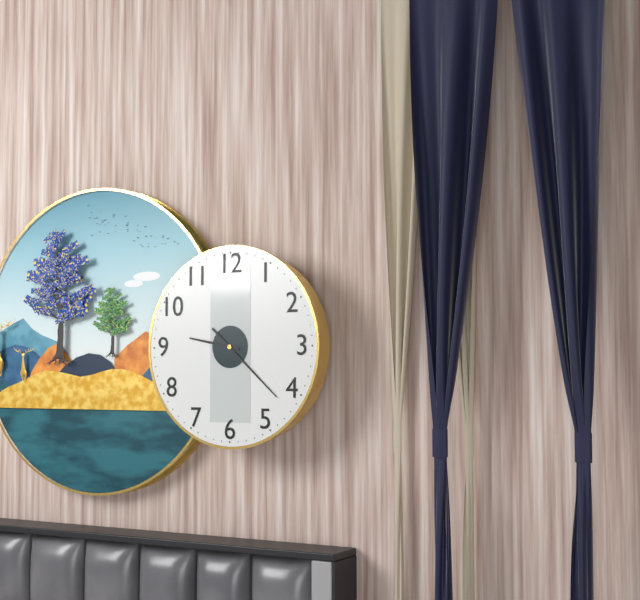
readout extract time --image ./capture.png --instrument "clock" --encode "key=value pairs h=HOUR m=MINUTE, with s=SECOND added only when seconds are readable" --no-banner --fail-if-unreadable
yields h=9 m=22
